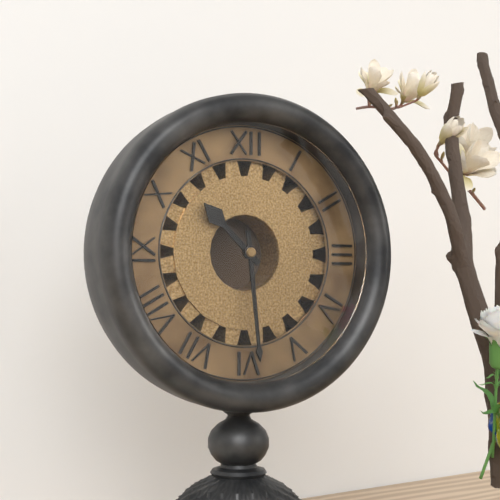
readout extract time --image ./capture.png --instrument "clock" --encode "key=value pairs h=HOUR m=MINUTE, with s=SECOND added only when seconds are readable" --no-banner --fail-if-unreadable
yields h=10 m=29
